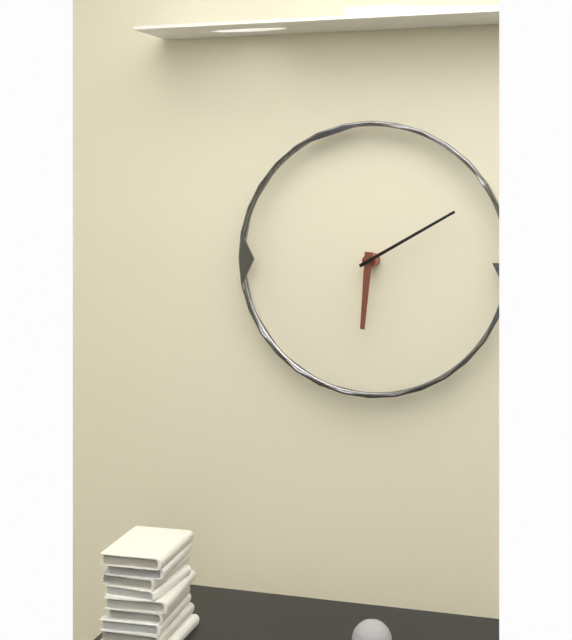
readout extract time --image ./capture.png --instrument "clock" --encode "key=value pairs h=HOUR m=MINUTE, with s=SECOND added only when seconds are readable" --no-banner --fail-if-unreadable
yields h=6 m=10
